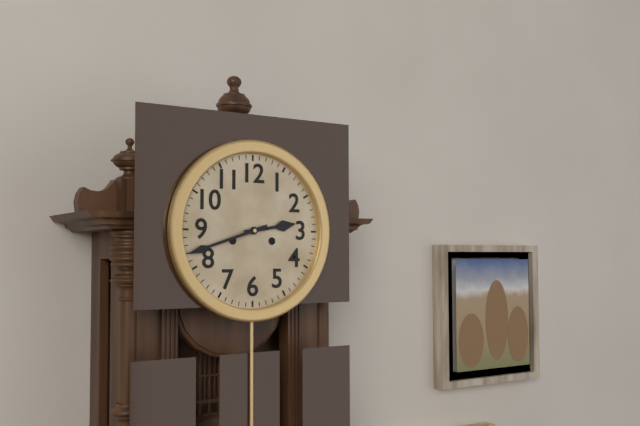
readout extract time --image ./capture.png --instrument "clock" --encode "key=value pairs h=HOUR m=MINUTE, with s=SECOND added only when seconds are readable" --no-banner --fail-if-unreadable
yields h=2 m=42
